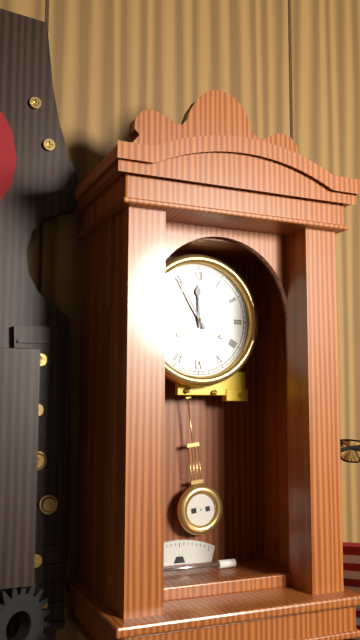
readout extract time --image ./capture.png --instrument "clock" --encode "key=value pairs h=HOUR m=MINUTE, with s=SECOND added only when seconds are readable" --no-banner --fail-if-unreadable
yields h=11 m=55
